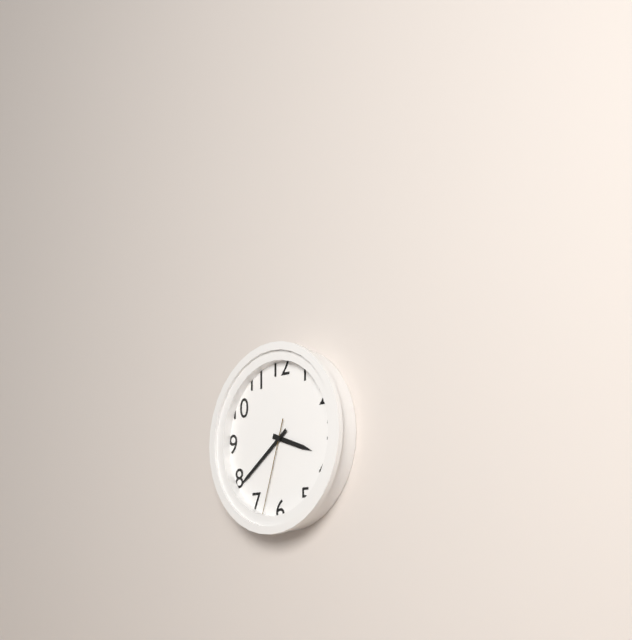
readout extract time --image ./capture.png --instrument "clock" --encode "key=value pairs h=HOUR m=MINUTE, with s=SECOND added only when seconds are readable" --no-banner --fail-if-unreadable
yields h=3 m=39 s=33
